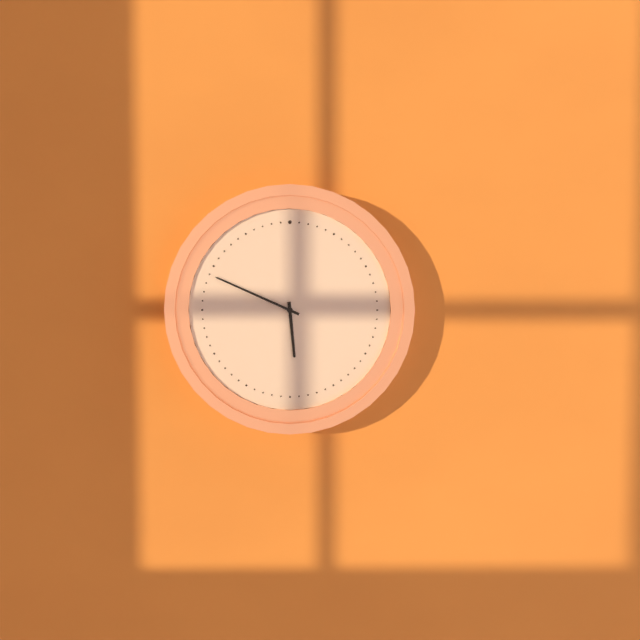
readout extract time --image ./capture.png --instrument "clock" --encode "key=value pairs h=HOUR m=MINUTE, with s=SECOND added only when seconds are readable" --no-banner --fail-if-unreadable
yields h=5 m=49
